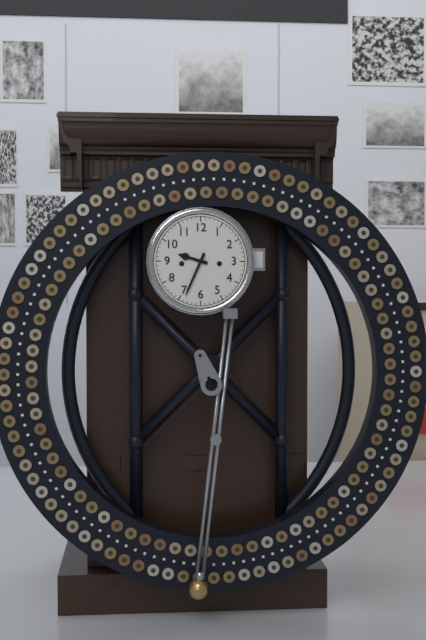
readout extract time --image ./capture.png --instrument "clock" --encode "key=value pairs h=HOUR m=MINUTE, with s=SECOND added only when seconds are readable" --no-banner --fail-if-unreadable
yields h=9 m=34
